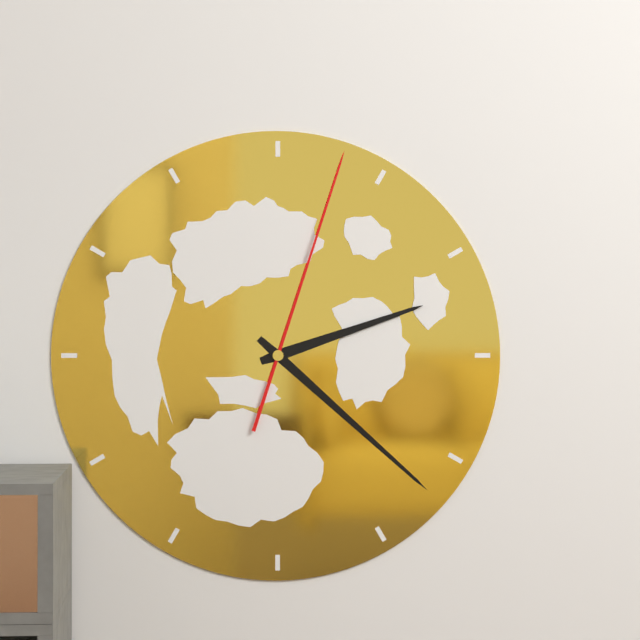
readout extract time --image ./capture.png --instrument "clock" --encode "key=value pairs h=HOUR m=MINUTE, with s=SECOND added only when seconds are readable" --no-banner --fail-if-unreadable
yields h=2 m=22 s=3
